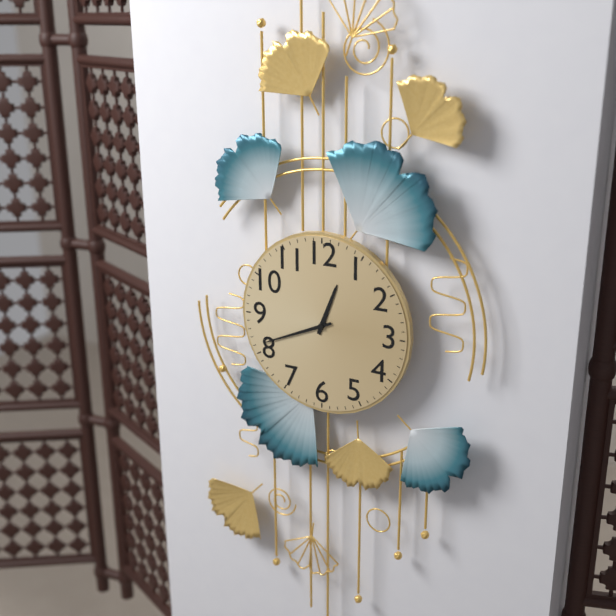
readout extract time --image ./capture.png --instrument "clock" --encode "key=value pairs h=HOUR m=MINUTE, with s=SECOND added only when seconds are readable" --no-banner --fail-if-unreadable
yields h=12 m=41
